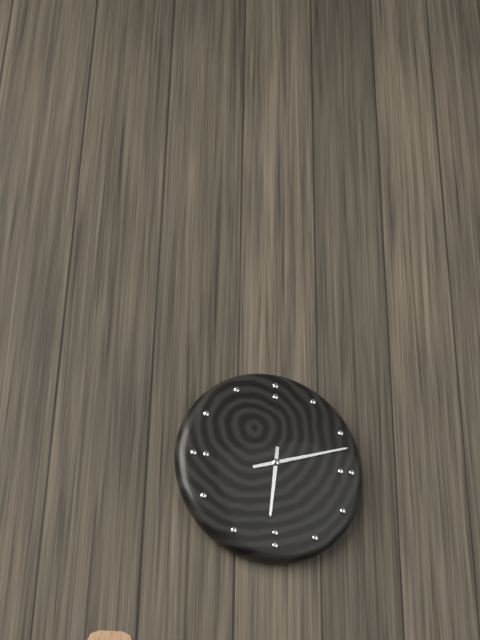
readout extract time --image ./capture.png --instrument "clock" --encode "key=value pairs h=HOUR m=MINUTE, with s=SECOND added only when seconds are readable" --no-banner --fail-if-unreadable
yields h=6 m=12
